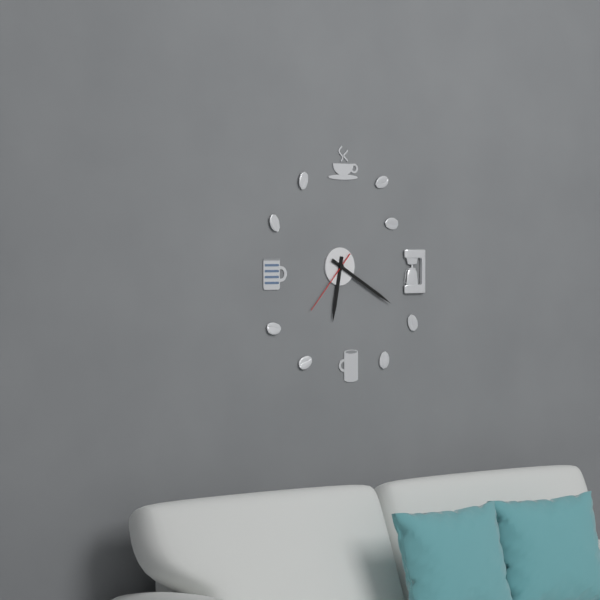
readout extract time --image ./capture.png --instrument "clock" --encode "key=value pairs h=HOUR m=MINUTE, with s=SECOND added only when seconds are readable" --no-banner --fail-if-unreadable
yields h=6 m=20 s=37
